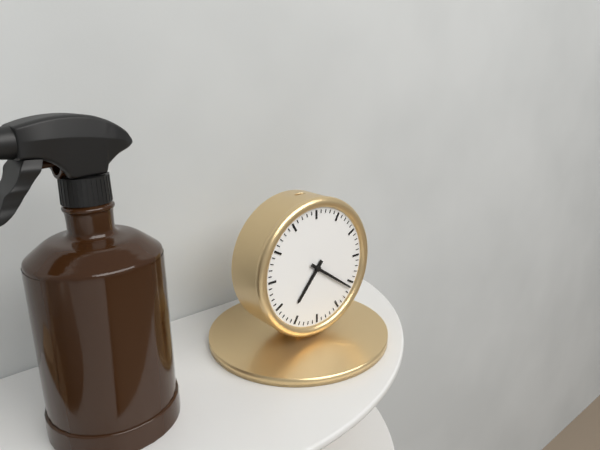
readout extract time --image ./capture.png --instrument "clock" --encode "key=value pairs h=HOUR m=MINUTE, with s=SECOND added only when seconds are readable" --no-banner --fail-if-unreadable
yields h=7 m=21
